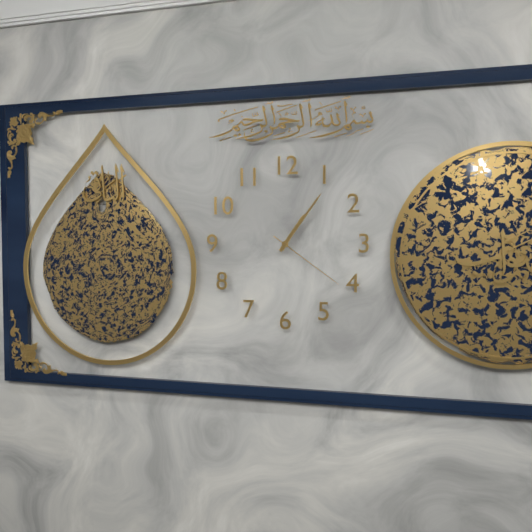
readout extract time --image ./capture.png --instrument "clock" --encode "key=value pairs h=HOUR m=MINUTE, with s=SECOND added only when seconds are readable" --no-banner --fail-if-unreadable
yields h=1 m=6 s=21
